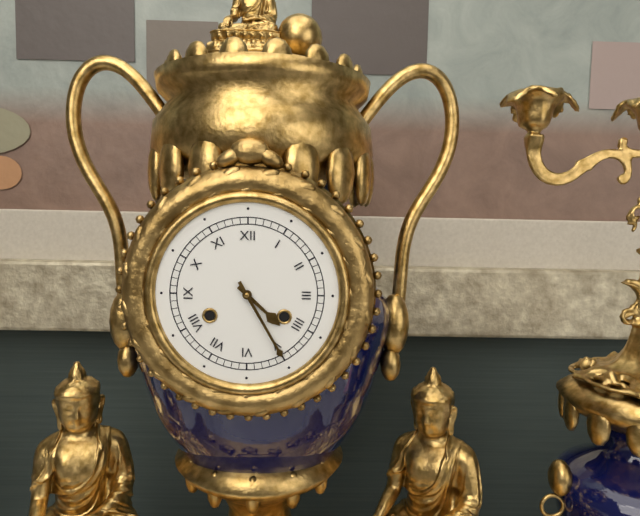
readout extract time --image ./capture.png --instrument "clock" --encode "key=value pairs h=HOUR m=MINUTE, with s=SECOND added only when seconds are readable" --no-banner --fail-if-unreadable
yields h=4 m=25
